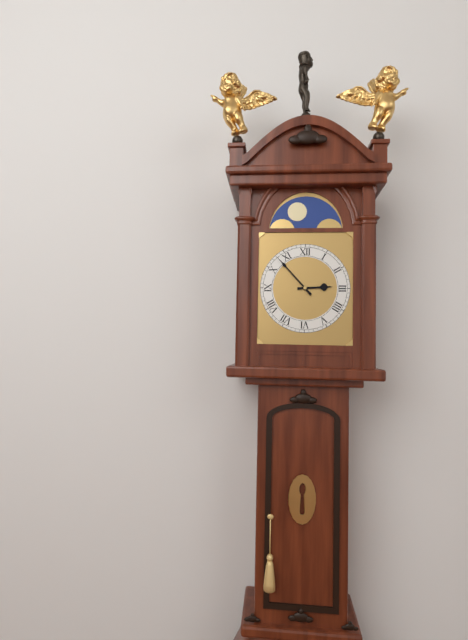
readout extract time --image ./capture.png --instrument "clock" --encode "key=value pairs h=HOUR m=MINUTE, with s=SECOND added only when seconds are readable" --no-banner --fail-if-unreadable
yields h=2 m=53
